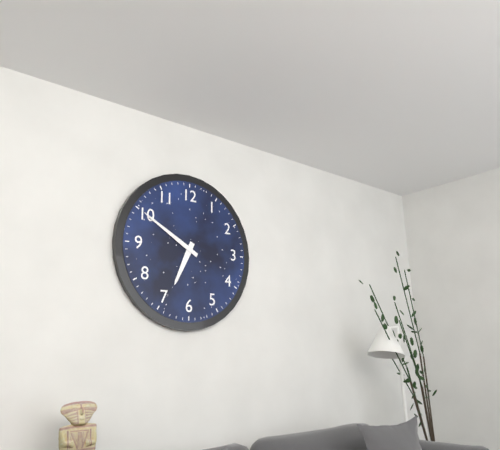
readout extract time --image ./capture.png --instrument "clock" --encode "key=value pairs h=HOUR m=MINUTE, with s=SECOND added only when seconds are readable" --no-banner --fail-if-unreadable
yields h=6 m=50
